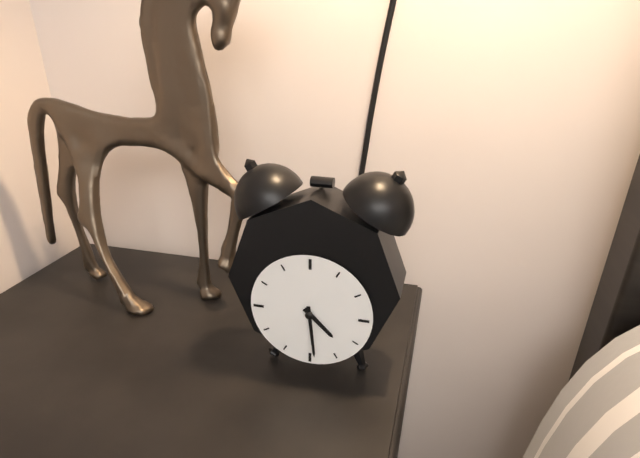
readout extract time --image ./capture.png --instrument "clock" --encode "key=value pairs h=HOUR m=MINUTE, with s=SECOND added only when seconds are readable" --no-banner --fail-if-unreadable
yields h=4 m=29
